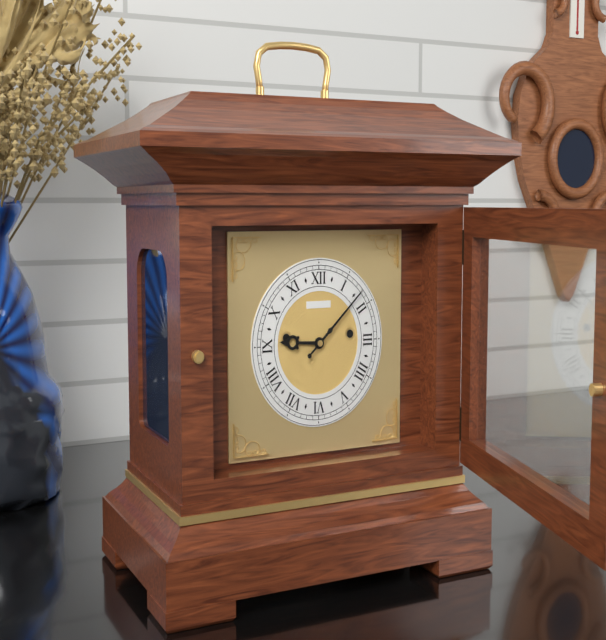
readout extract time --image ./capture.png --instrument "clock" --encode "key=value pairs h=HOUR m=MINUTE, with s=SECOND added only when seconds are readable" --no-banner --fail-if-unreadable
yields h=9 m=8
